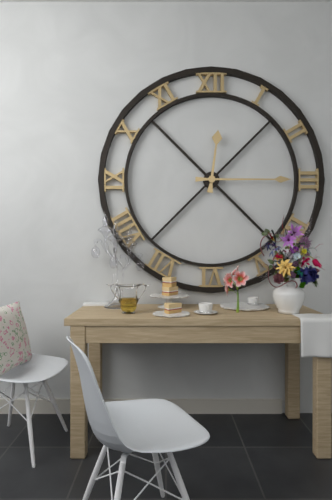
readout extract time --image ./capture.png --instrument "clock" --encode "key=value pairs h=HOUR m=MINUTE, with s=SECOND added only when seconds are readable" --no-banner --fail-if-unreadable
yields h=12 m=15
